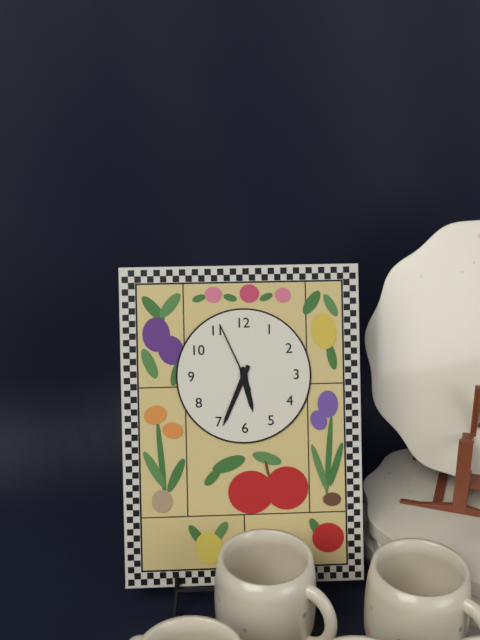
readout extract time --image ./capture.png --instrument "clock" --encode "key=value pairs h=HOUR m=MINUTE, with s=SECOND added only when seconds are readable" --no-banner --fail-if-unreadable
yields h=5 m=34 s=56
